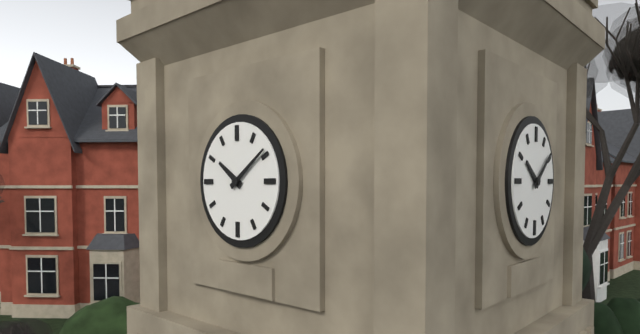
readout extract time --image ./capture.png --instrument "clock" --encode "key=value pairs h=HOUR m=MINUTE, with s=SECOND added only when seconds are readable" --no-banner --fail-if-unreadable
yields h=10 m=9
